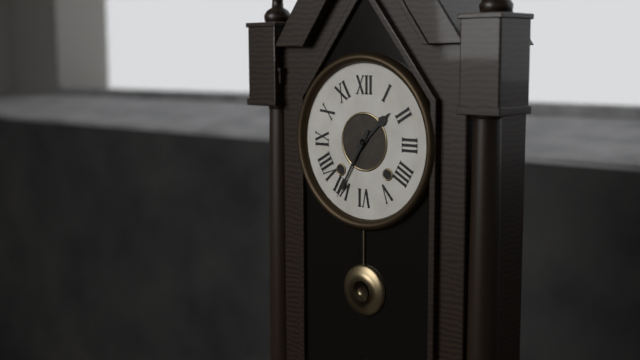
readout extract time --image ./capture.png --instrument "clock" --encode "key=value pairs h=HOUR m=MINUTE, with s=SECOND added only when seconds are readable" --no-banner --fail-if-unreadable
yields h=1 m=35
